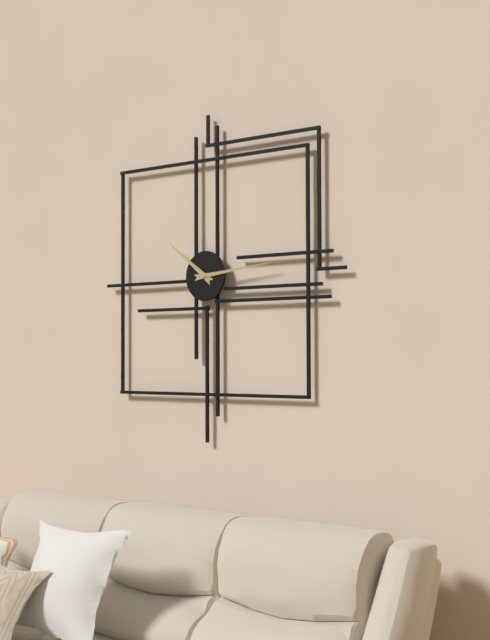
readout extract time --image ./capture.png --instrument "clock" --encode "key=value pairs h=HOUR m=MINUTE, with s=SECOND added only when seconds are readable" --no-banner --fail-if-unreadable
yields h=10 m=14
